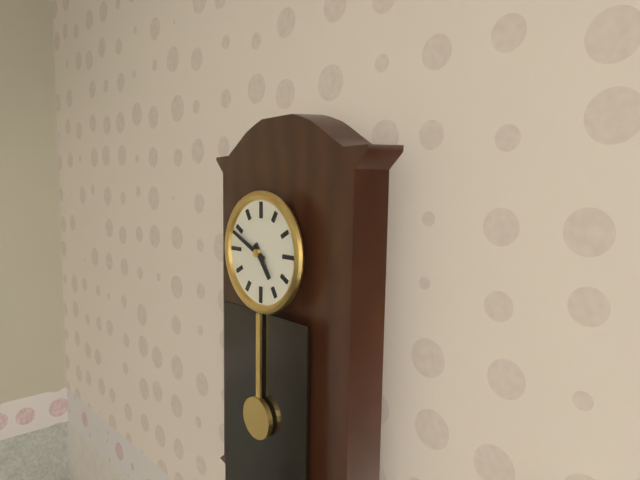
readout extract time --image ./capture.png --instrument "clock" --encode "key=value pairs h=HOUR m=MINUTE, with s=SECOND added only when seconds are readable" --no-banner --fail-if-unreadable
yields h=4 m=49
